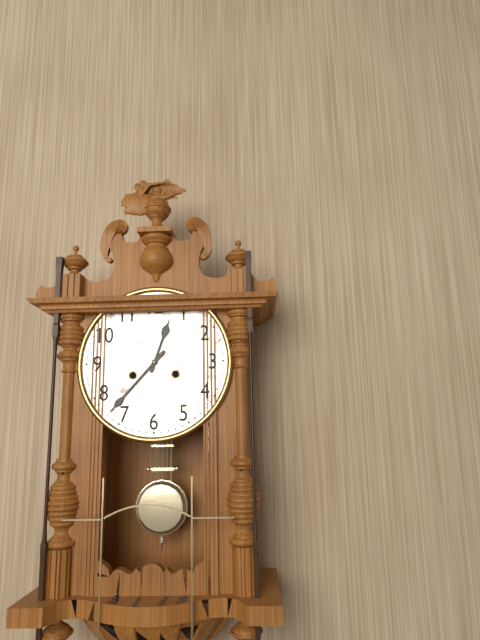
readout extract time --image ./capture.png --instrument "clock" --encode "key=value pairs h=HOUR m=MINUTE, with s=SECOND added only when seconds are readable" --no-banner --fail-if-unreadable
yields h=12 m=37
